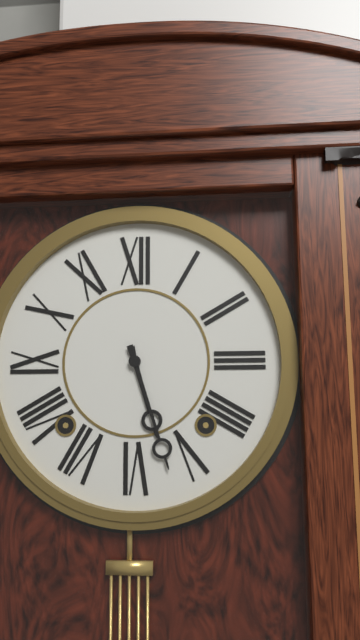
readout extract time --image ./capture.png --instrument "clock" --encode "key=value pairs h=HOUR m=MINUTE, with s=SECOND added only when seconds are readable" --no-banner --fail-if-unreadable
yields h=5 m=27
